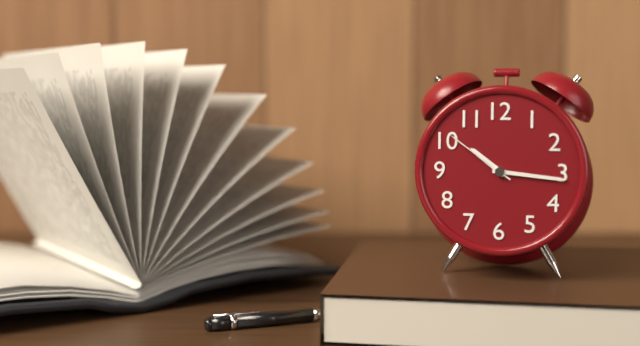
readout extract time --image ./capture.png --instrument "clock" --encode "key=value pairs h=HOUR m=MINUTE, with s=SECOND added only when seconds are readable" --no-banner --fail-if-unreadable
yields h=10 m=16 s=51
